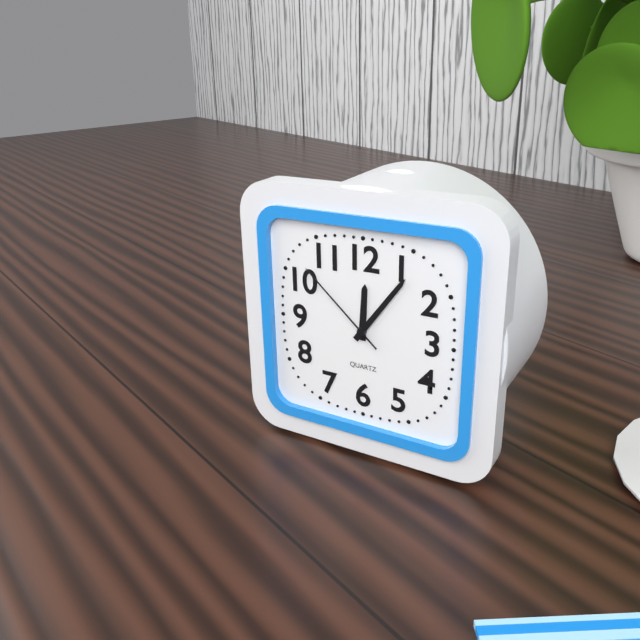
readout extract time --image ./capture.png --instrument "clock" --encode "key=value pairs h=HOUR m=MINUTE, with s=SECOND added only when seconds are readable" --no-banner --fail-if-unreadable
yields h=12 m=6 s=52
